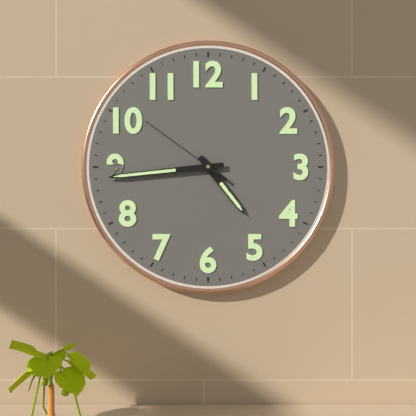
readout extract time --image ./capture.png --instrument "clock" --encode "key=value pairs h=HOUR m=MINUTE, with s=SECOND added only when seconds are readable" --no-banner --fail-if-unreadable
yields h=4 m=44 s=51
